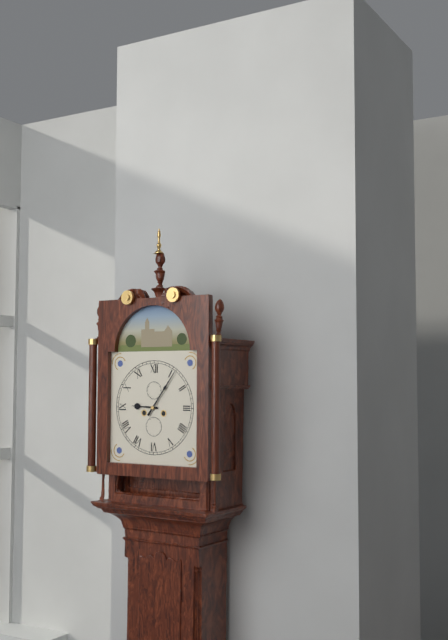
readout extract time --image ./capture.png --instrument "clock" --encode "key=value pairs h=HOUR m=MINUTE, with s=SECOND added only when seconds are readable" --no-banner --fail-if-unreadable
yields h=9 m=6
